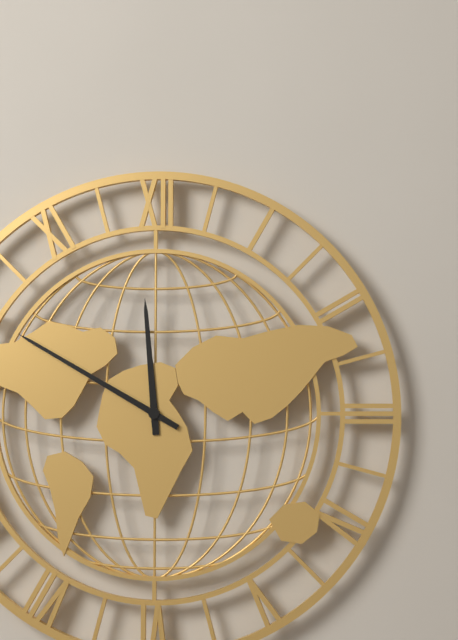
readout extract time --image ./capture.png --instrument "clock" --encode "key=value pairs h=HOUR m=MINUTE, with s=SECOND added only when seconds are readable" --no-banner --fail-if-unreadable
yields h=11 m=50
